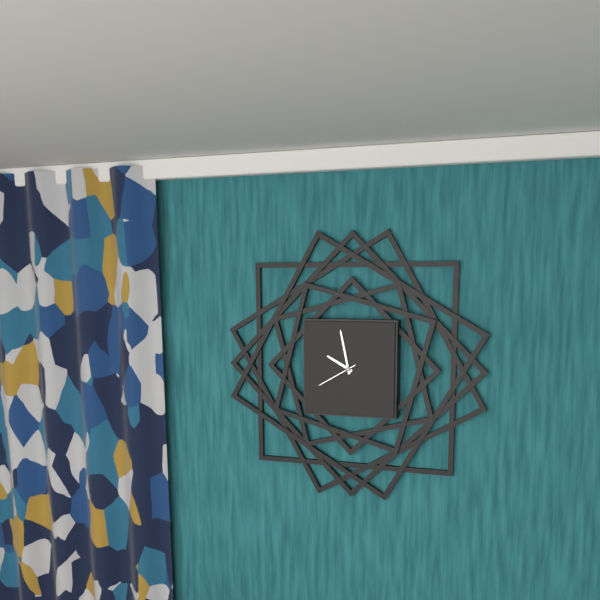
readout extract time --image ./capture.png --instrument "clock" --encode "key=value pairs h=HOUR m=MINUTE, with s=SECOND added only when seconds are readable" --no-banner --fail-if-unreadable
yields h=9 m=58
